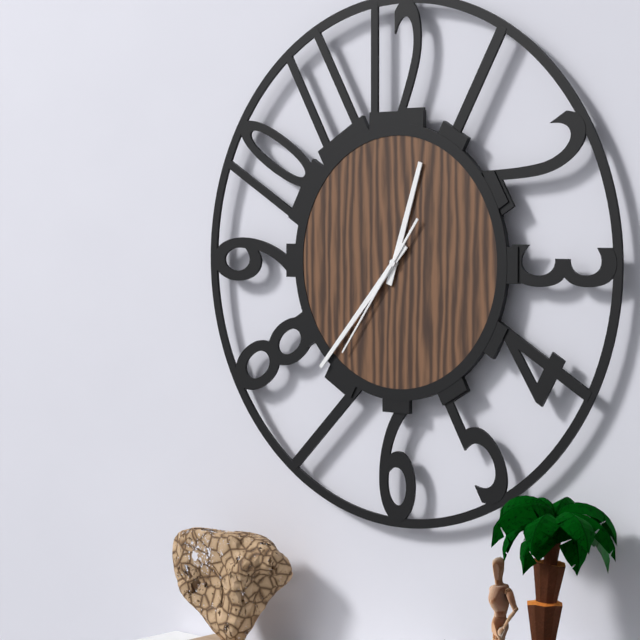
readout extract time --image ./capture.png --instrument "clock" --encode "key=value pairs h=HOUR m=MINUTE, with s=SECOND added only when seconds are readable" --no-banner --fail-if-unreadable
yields h=12 m=37 s=36
